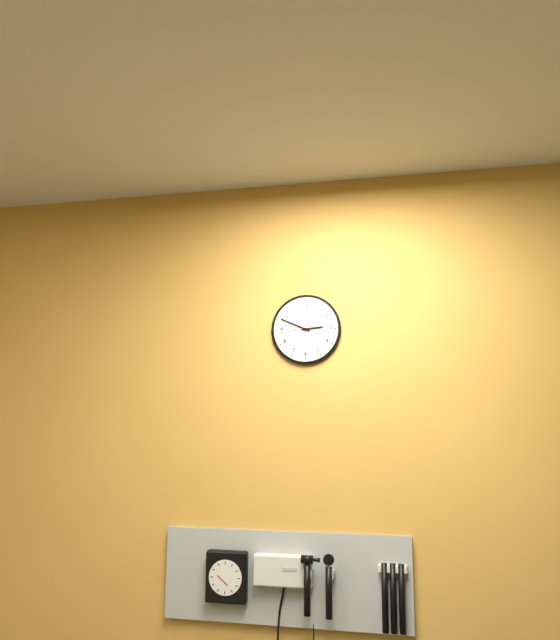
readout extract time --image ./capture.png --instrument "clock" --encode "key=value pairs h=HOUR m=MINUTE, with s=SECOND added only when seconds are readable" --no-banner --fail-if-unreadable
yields h=2 m=49
